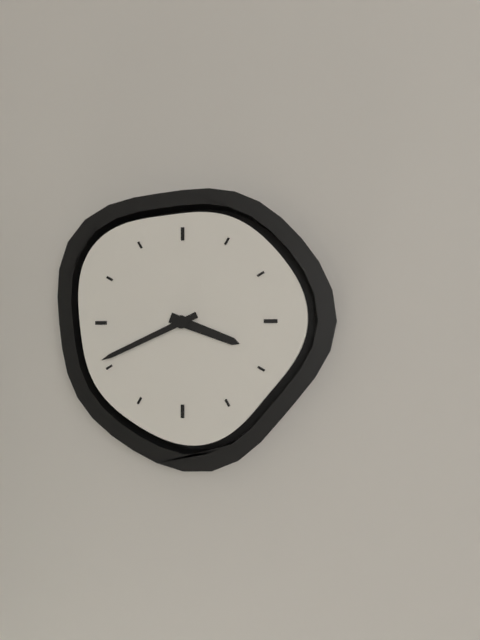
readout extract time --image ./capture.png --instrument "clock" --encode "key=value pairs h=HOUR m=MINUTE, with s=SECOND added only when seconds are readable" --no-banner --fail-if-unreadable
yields h=3 m=41
